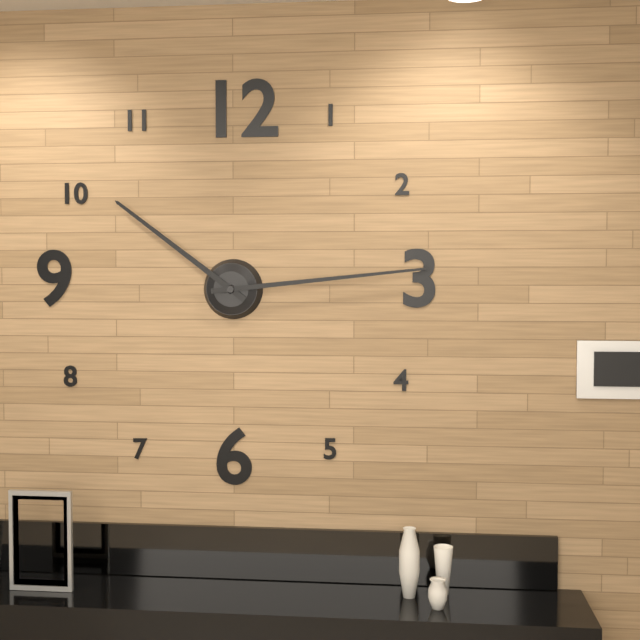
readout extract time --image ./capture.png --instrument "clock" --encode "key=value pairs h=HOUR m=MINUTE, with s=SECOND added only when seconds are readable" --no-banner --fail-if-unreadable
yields h=10 m=14
